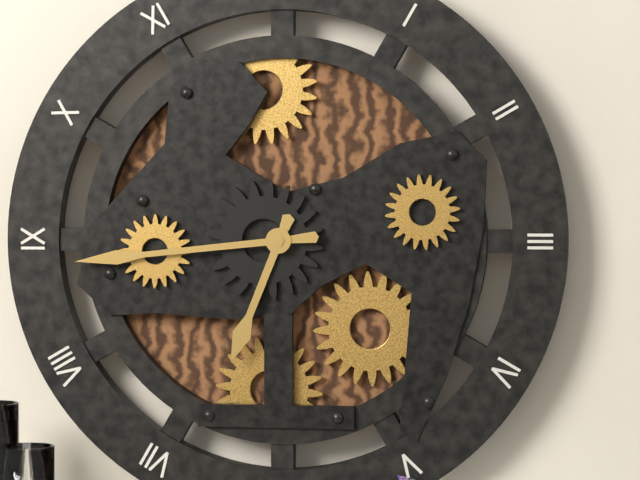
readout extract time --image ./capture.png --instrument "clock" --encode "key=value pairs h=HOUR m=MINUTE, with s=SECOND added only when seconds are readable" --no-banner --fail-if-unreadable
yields h=6 m=44
